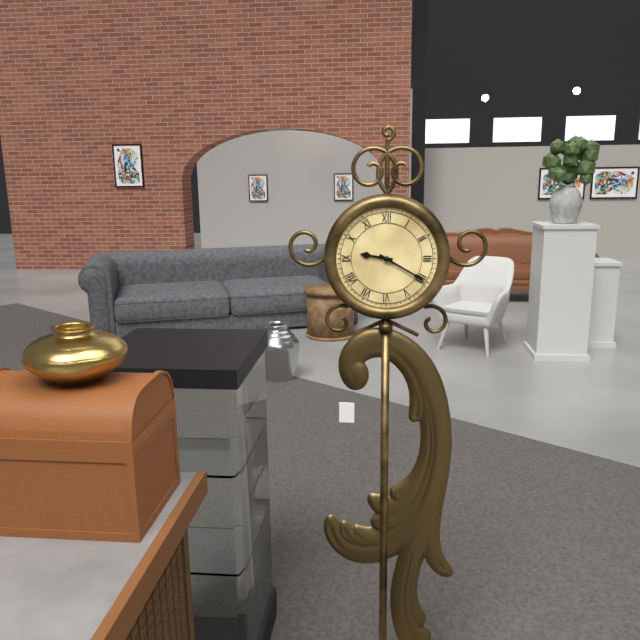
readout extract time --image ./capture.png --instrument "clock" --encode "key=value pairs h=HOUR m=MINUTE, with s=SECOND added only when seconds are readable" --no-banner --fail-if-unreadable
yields h=9 m=20
